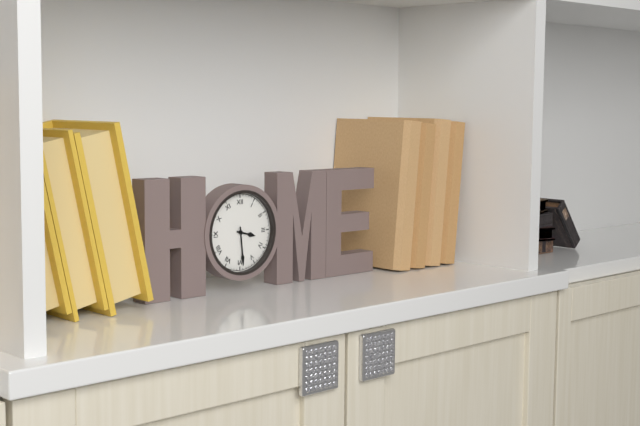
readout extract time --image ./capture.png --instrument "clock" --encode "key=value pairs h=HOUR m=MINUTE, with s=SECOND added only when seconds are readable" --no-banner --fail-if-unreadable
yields h=3 m=29
